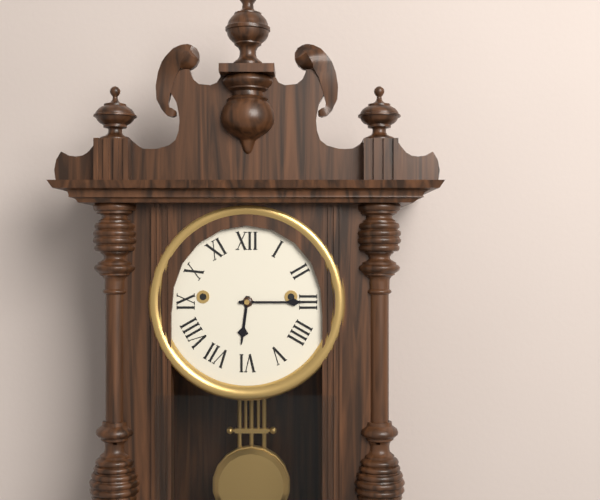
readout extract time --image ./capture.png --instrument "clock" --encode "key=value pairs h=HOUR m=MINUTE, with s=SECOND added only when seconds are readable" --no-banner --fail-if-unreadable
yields h=6 m=15
